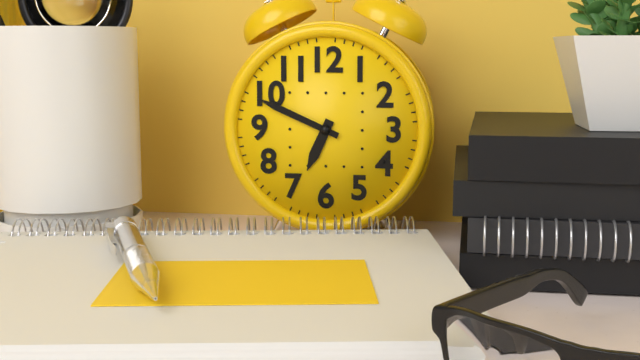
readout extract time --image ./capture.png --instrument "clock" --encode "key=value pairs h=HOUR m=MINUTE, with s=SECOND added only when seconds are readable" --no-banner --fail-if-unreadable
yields h=6 m=49
